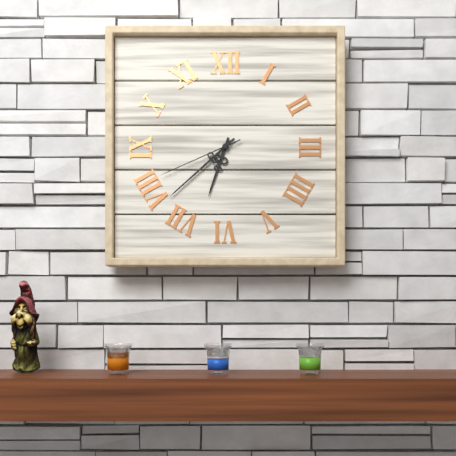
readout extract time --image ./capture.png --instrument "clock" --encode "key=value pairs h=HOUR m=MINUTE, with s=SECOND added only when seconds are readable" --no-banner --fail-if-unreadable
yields h=6 m=38 s=41
